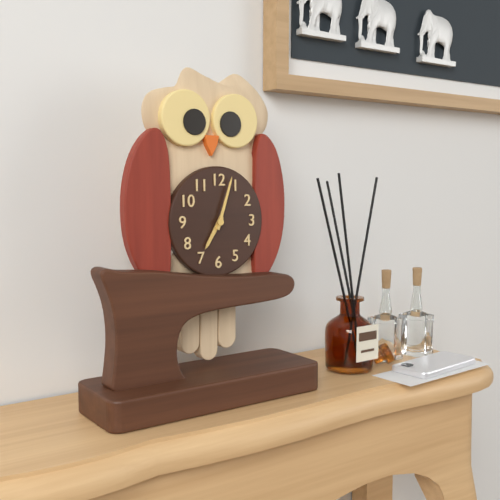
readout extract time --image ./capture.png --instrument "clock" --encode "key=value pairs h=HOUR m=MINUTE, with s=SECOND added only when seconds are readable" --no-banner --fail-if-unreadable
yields h=7 m=3
